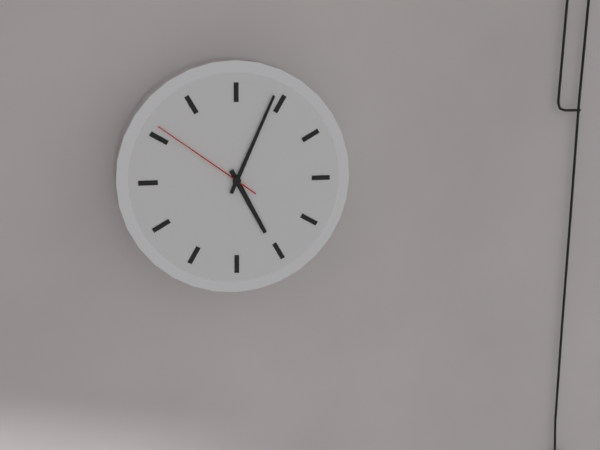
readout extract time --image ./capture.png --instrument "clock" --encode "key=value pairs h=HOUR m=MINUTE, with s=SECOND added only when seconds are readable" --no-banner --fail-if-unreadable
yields h=5 m=4 s=51
